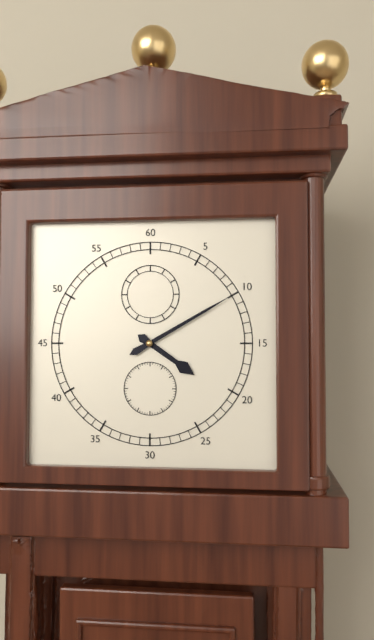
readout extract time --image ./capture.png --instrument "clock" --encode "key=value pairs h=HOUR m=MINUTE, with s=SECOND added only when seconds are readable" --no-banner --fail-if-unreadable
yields h=4 m=10
